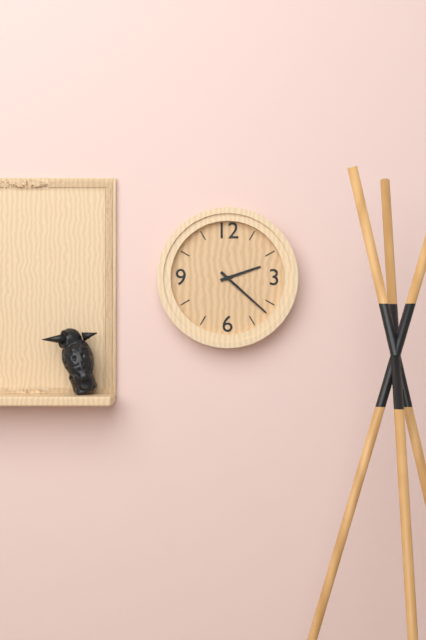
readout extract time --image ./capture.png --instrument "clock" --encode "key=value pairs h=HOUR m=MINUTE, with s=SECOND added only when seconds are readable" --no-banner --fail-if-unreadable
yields h=2 m=22
